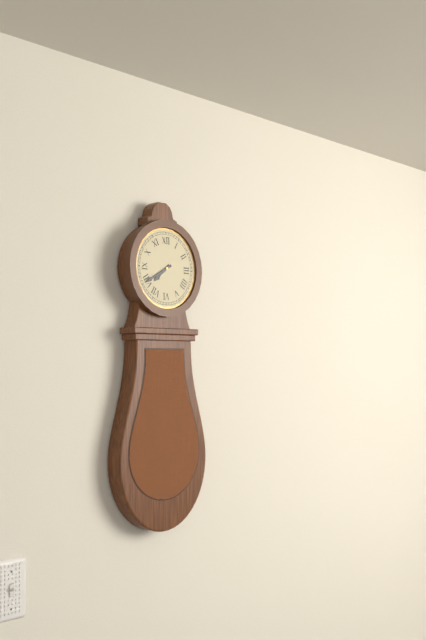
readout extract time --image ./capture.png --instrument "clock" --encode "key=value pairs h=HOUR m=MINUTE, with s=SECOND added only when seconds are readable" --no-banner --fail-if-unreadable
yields h=7 m=40
